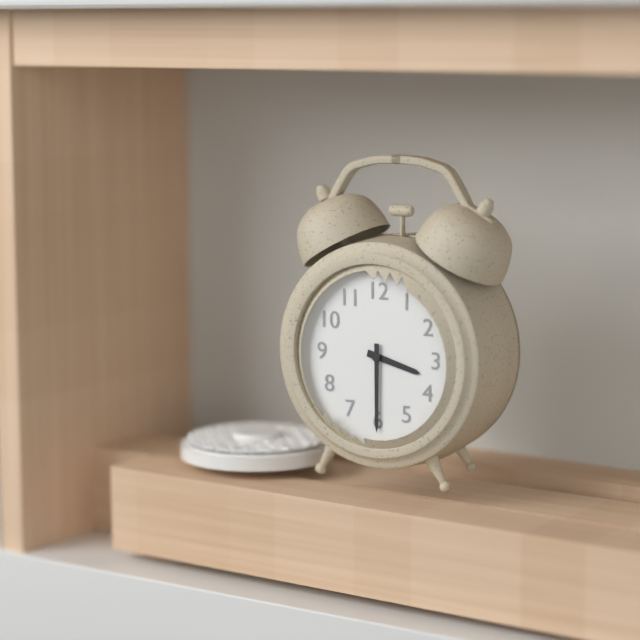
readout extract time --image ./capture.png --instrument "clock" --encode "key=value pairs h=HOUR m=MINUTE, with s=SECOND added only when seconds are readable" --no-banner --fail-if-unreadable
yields h=3 m=30
